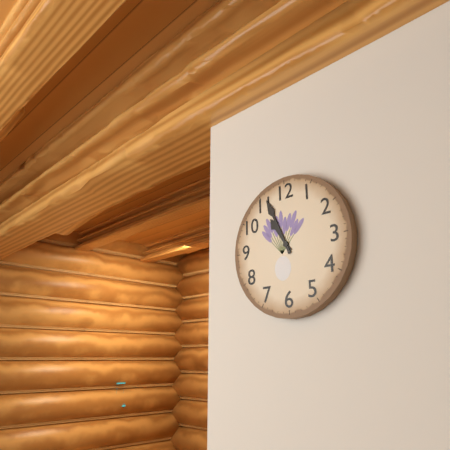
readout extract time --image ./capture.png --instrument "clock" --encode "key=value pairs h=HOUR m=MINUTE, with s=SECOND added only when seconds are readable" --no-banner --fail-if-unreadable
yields h=10 m=56
